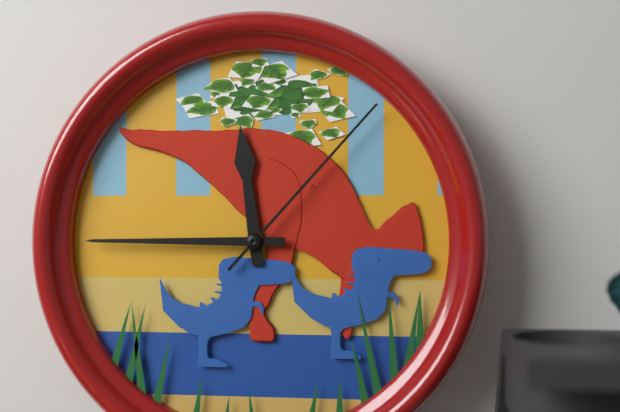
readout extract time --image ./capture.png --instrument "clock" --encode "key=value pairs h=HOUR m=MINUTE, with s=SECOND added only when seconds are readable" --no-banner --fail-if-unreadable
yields h=11 m=45 s=7
